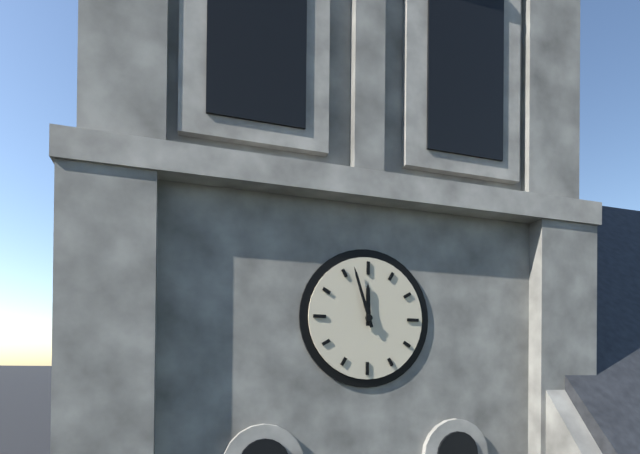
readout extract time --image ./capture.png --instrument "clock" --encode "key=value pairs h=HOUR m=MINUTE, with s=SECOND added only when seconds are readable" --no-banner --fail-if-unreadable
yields h=11 m=57
